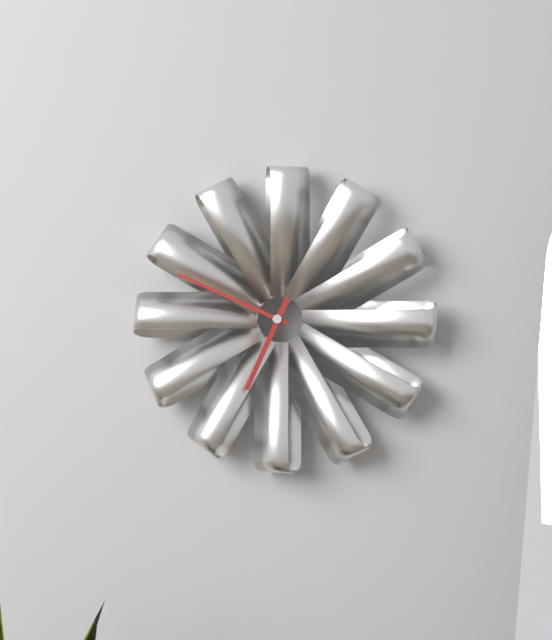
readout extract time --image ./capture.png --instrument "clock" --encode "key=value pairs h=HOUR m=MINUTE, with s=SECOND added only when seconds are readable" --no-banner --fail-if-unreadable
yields h=6 m=49
